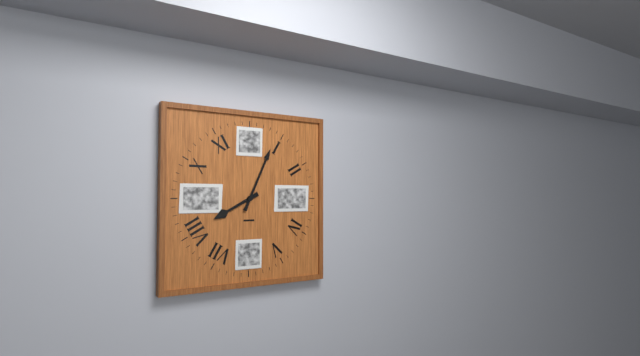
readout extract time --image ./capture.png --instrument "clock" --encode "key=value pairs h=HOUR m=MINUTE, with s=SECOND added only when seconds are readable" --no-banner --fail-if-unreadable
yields h=8 m=4
